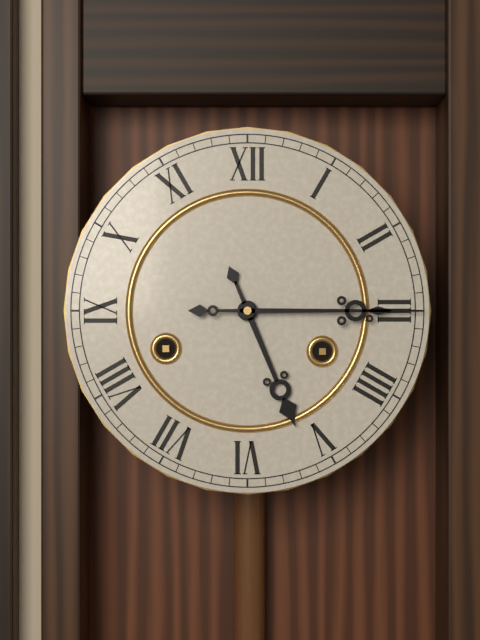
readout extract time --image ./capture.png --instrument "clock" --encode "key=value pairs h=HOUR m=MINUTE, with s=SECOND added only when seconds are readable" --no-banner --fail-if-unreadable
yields h=5 m=15
